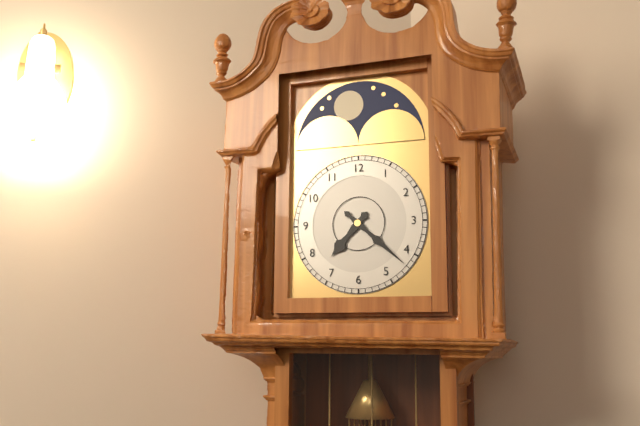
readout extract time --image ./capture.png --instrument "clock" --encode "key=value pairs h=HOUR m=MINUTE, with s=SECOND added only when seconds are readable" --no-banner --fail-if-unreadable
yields h=7 m=22
